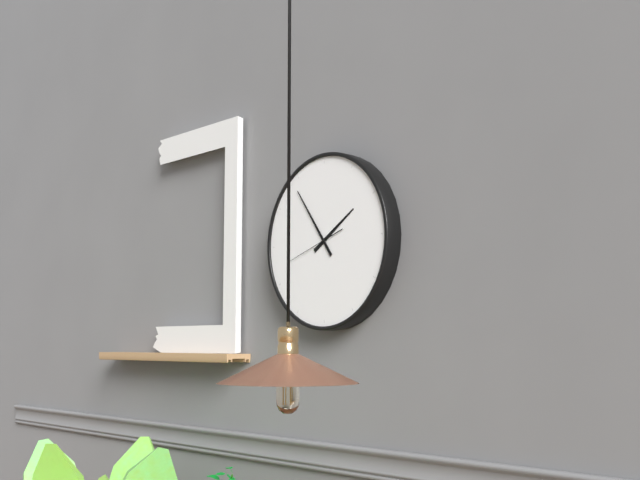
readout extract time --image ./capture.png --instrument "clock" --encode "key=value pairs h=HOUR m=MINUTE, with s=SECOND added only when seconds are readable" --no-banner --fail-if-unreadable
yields h=1 m=54 s=42
